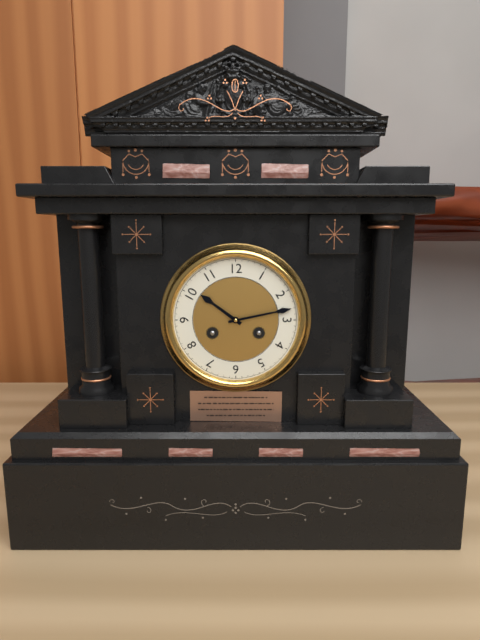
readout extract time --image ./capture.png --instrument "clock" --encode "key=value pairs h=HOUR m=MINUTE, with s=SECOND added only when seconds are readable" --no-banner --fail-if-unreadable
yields h=10 m=13
